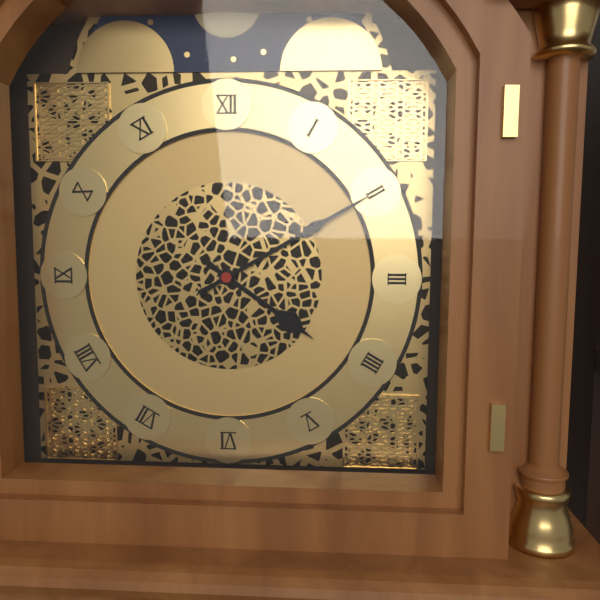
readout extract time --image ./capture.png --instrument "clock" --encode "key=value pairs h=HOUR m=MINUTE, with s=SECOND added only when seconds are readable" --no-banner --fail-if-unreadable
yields h=4 m=10
